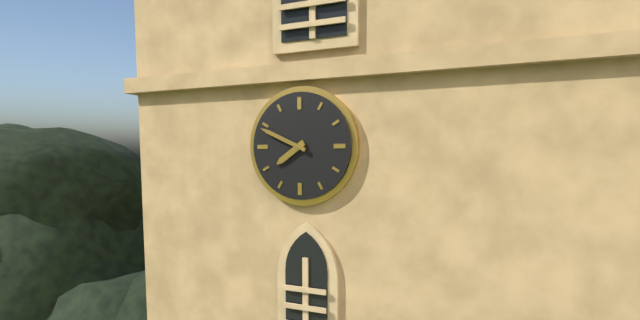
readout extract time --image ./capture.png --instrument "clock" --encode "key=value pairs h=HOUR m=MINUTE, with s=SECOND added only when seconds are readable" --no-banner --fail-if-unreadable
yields h=7 m=49
